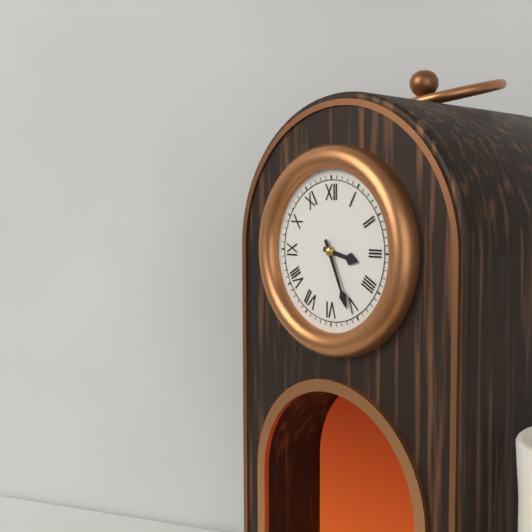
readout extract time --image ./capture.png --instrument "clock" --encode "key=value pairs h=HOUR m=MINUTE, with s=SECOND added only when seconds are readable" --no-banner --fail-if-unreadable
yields h=3 m=26
